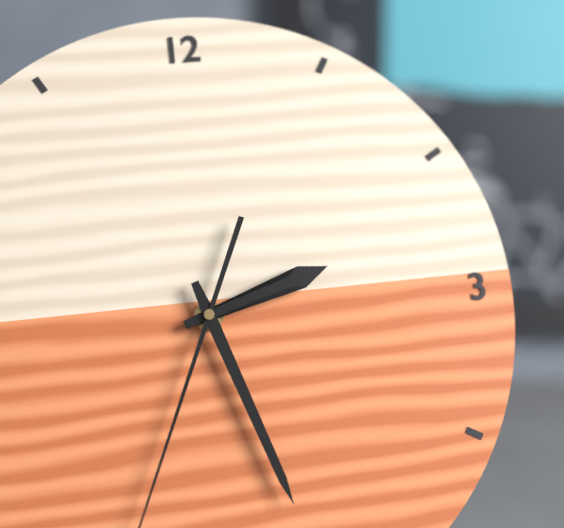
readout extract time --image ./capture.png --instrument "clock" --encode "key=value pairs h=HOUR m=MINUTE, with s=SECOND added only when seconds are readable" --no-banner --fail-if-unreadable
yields h=2 m=27
